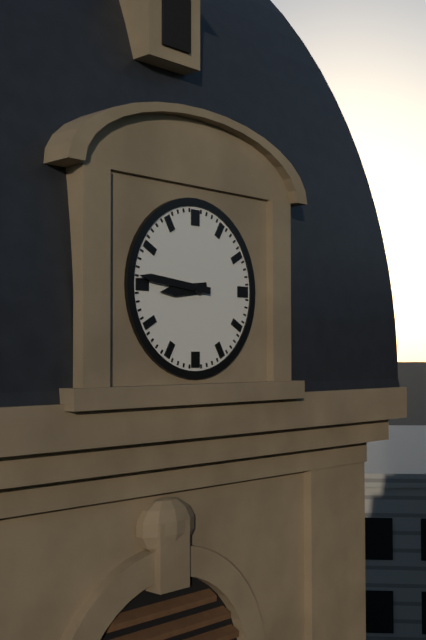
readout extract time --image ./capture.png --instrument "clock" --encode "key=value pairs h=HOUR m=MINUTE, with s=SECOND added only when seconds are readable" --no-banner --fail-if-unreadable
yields h=8 m=46
